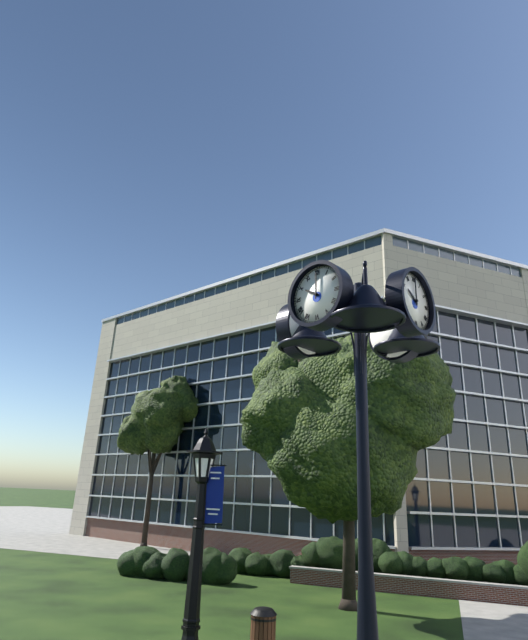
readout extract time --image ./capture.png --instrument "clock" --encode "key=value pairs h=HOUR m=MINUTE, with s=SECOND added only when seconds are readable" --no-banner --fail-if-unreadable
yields h=10 m=0
